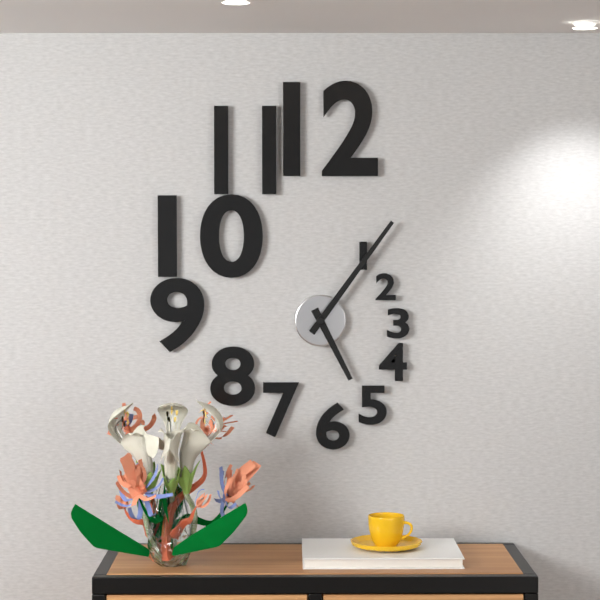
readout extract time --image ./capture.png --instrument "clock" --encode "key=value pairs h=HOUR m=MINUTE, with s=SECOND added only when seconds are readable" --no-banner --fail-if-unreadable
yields h=5 m=6
